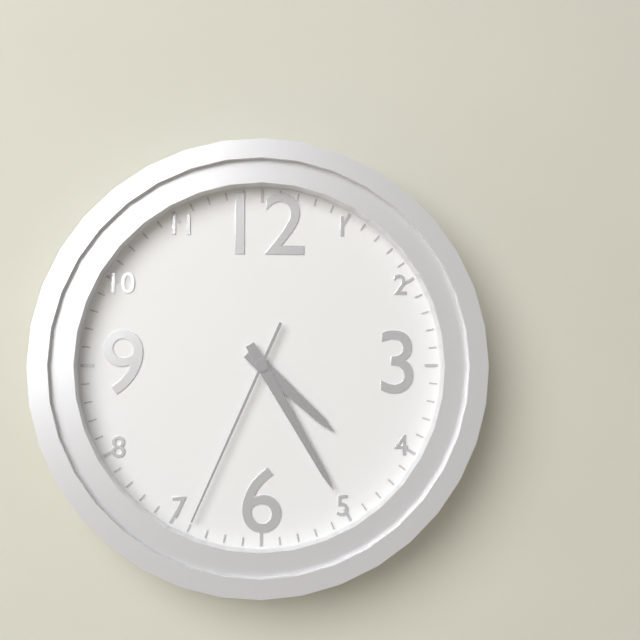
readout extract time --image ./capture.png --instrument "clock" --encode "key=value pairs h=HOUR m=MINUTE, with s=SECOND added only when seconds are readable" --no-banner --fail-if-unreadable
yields h=4 m=25 s=34
